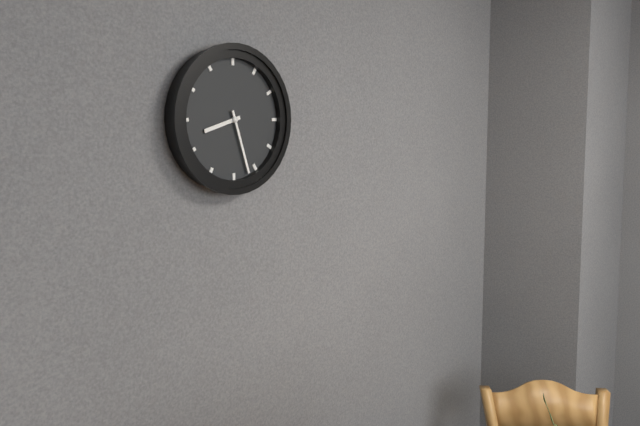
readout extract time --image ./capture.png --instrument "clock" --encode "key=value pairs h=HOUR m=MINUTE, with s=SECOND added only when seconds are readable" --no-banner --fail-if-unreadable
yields h=8 m=27
